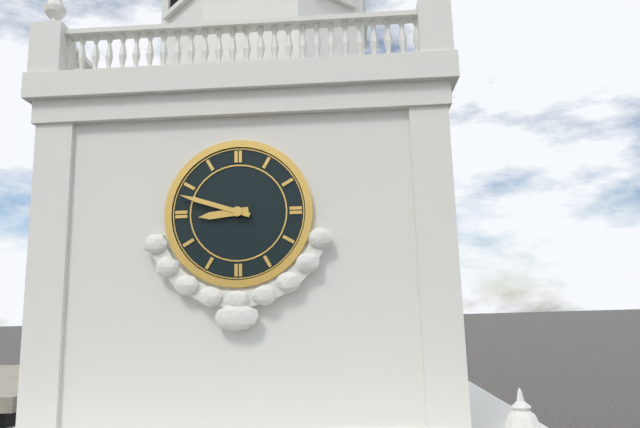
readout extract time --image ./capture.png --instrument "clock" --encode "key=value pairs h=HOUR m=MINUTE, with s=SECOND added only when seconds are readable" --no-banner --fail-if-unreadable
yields h=8 m=48
